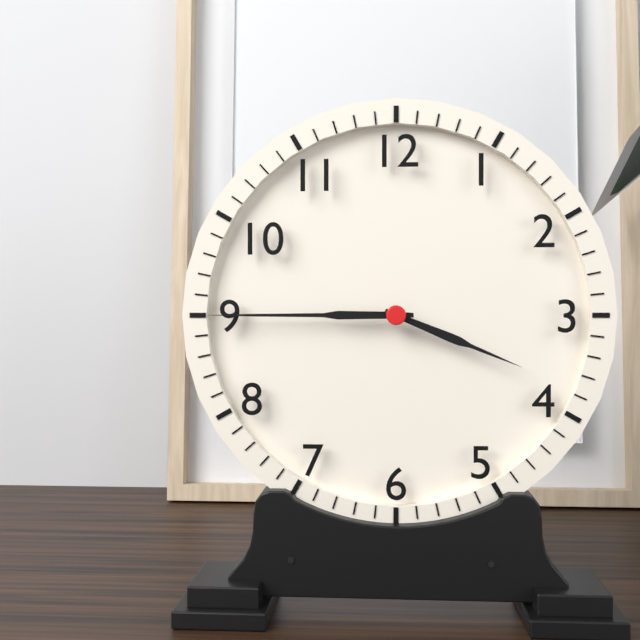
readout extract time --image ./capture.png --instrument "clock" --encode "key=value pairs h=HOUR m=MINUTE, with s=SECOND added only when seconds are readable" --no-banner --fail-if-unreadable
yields h=3 m=45
